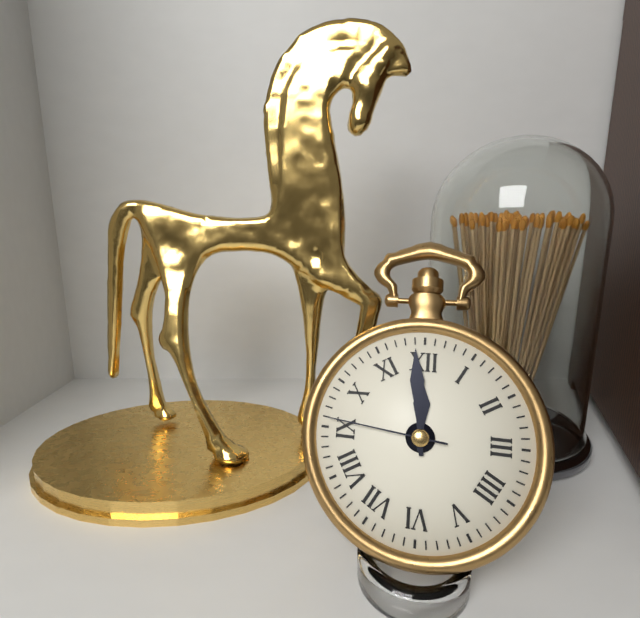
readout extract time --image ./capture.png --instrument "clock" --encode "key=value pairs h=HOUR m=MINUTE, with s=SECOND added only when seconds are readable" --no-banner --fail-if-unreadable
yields h=11 m=59 s=46
